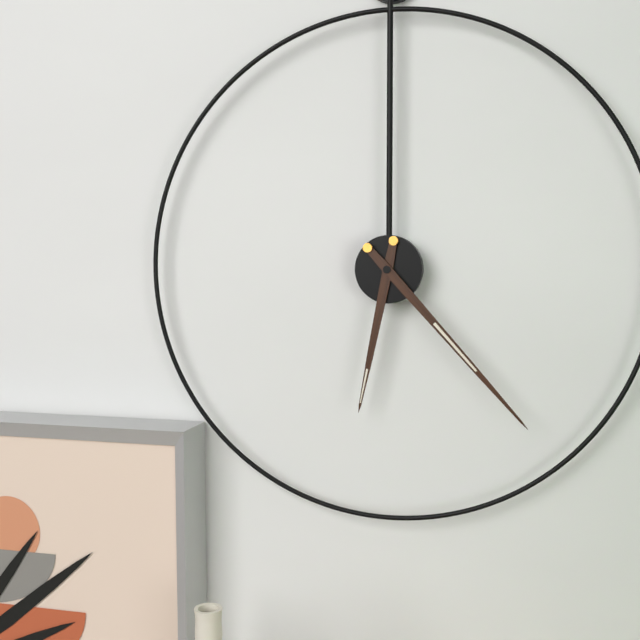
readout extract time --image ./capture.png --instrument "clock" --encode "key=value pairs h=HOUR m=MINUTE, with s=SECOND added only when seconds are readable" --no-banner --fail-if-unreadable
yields h=6 m=23
